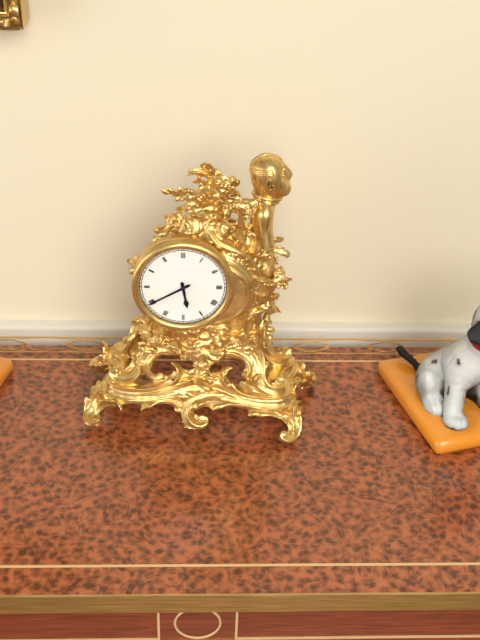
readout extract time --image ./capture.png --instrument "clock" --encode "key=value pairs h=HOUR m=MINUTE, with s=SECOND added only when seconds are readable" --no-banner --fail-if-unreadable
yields h=5 m=40
